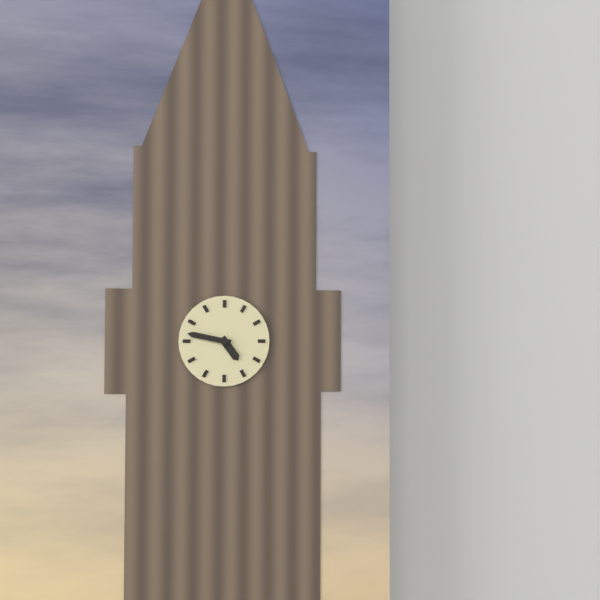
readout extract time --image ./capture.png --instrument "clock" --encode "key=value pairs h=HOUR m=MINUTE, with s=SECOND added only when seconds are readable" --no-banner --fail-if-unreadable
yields h=4 m=47
